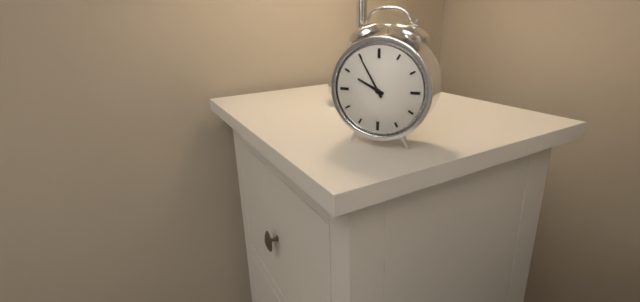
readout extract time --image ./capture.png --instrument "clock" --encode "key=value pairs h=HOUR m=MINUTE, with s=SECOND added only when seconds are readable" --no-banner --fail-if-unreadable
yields h=9 m=55
